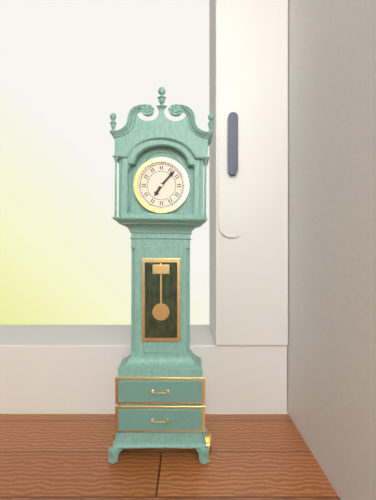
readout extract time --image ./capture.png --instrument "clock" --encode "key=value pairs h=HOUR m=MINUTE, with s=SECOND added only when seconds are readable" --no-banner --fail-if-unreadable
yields h=7 m=7
